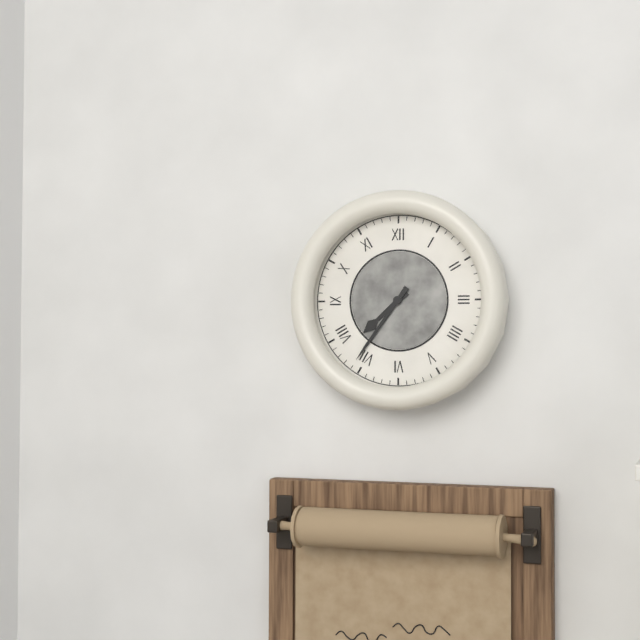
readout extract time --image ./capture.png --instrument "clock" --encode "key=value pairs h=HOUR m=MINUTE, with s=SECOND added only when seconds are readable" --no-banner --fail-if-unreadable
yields h=7 m=36
